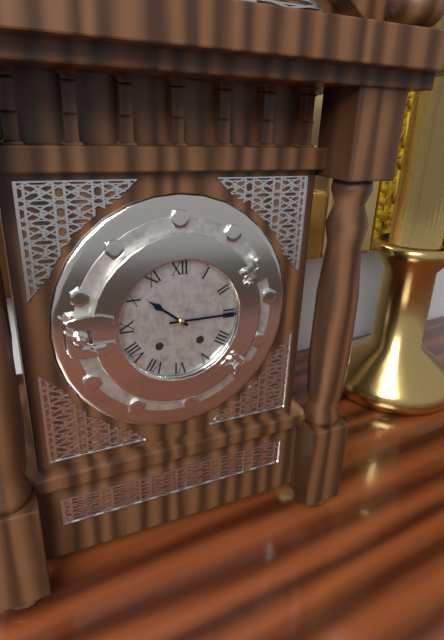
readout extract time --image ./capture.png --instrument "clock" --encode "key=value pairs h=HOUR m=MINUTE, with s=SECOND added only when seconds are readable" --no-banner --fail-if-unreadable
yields h=10 m=15
